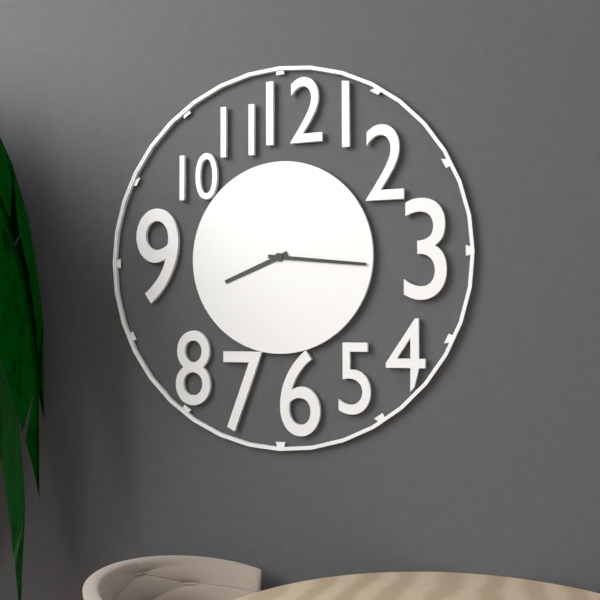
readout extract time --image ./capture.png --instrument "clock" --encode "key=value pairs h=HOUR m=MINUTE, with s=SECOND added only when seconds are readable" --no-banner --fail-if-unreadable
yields h=8 m=16
